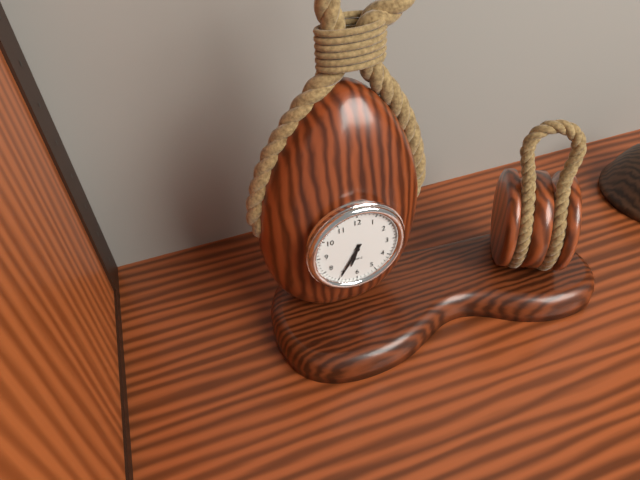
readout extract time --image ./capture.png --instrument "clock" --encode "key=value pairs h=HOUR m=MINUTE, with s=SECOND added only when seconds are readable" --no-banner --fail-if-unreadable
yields h=6 m=35
